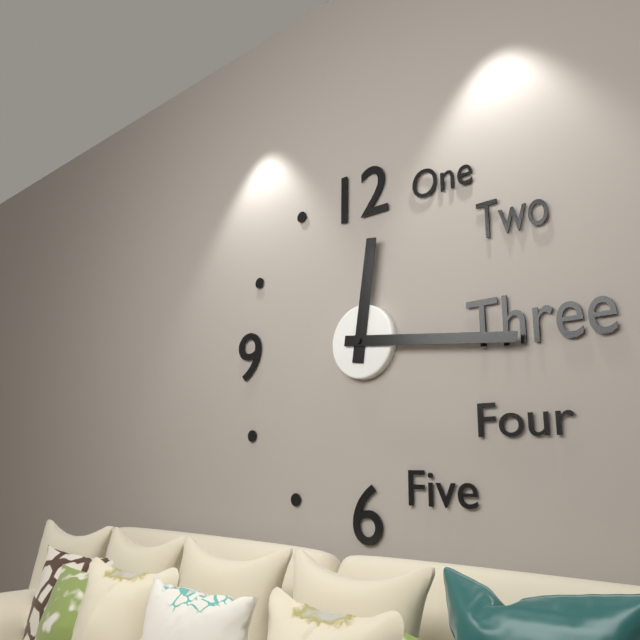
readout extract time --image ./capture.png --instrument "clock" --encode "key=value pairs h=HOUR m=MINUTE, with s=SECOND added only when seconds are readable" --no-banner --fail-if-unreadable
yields h=12 m=16
